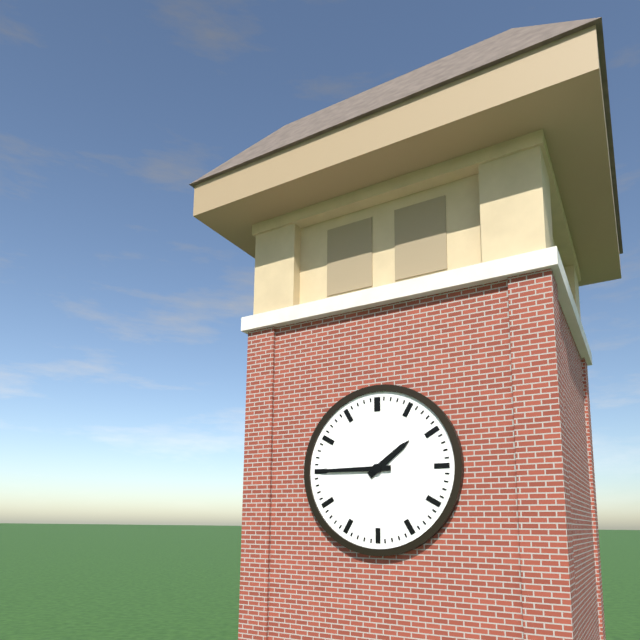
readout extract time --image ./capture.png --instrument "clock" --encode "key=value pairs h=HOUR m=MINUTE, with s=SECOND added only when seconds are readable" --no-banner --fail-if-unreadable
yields h=1 m=45
